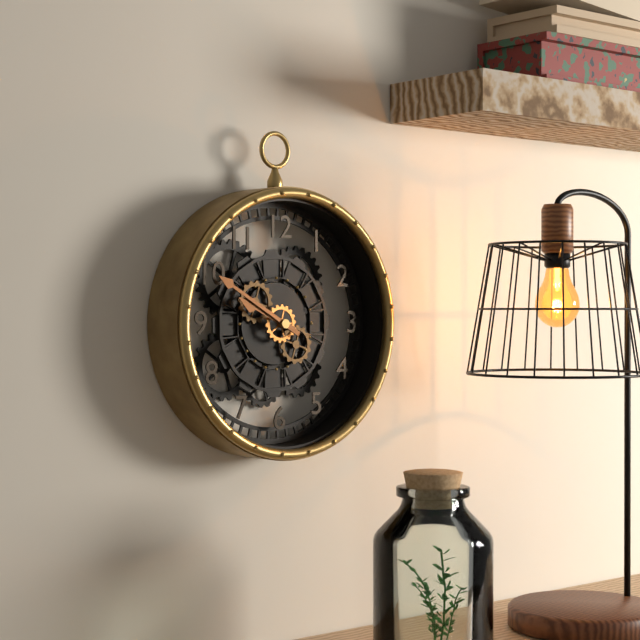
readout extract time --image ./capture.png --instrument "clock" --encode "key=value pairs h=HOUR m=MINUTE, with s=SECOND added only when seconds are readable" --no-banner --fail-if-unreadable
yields h=9 m=50
